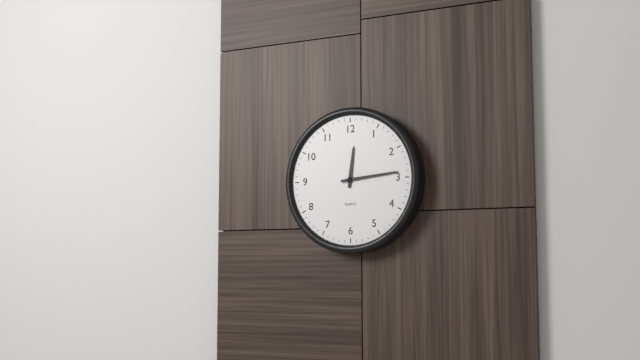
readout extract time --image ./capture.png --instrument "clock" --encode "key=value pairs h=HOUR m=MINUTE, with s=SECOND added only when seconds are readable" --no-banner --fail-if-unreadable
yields h=12 m=14
